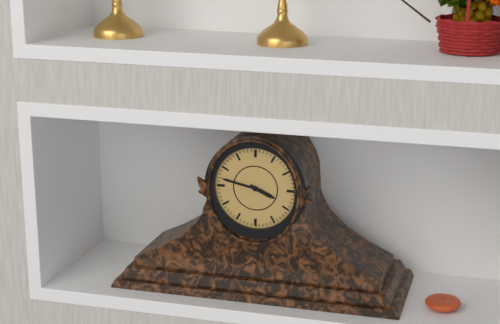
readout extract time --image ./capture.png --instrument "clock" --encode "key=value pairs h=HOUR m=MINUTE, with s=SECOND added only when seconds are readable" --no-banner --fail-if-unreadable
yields h=3 m=47
